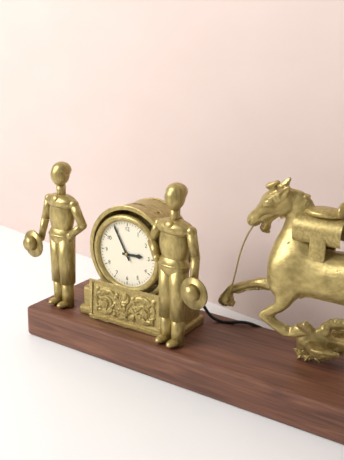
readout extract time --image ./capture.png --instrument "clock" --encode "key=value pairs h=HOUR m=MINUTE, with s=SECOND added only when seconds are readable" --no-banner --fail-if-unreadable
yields h=2 m=55
